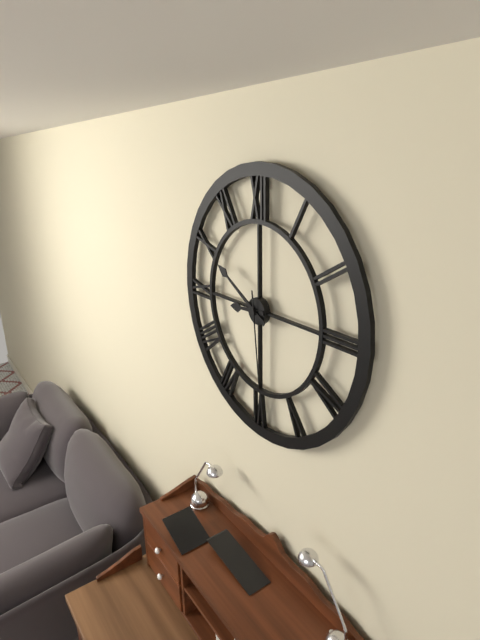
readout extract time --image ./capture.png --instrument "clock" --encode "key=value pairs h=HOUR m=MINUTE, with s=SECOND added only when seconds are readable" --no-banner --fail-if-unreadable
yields h=8 m=50 s=29
